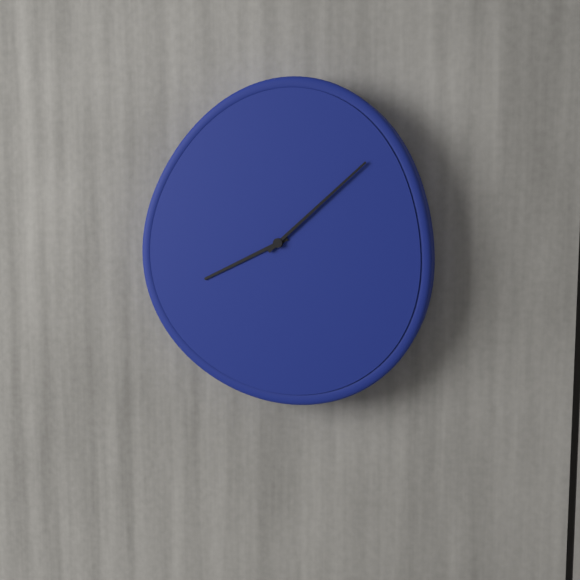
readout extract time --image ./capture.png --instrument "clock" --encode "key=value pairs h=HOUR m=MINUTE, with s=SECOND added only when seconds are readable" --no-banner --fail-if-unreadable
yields h=8 m=8
